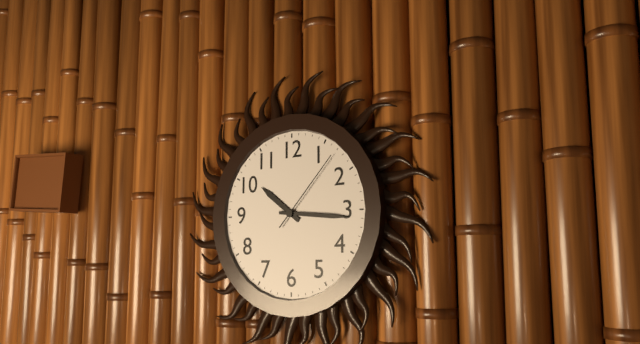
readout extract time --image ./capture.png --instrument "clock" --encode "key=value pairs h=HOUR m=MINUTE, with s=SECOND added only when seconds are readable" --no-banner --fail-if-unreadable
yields h=10 m=16 s=7
